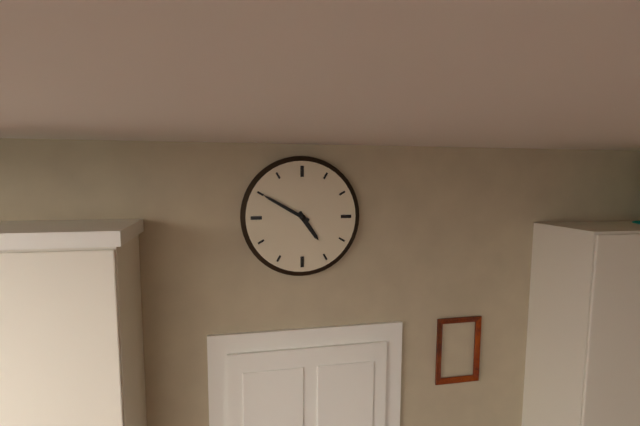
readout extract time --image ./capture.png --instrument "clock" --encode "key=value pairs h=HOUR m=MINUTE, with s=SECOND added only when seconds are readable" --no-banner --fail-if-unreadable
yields h=4 m=50
